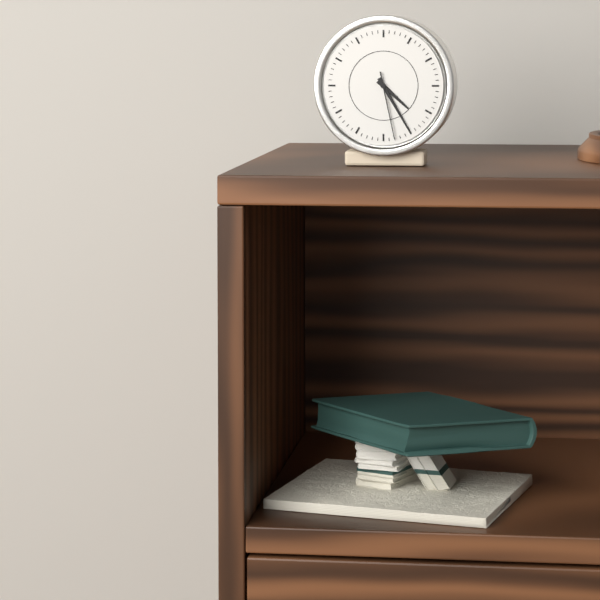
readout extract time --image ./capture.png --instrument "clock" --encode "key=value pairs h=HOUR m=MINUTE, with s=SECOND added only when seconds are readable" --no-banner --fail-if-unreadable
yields h=4 m=25 s=28
